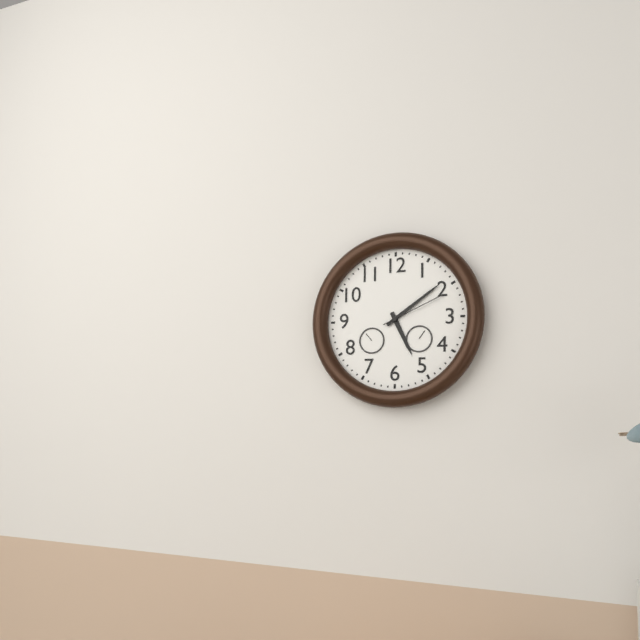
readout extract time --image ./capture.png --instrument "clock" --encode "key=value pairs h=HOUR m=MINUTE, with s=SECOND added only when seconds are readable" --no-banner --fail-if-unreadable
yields h=5 m=9 s=11
